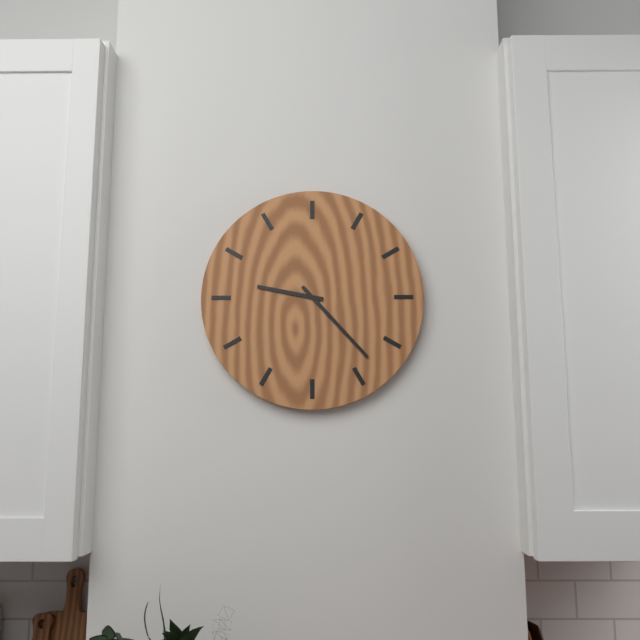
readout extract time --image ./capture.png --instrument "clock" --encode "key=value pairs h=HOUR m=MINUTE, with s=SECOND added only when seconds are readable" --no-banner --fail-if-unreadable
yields h=9 m=23
